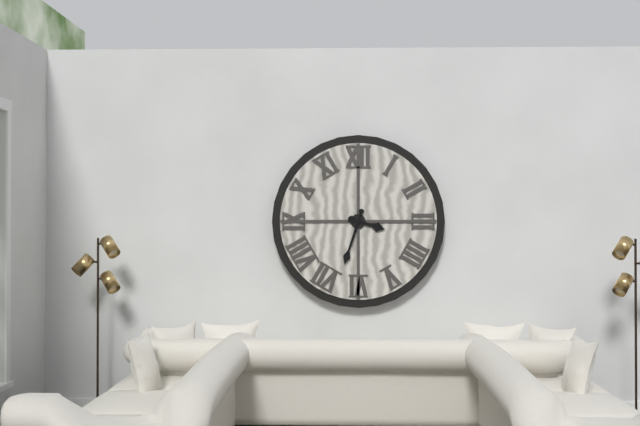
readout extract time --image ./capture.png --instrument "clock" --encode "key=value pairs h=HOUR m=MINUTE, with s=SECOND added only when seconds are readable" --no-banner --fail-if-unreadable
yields h=3 m=33
